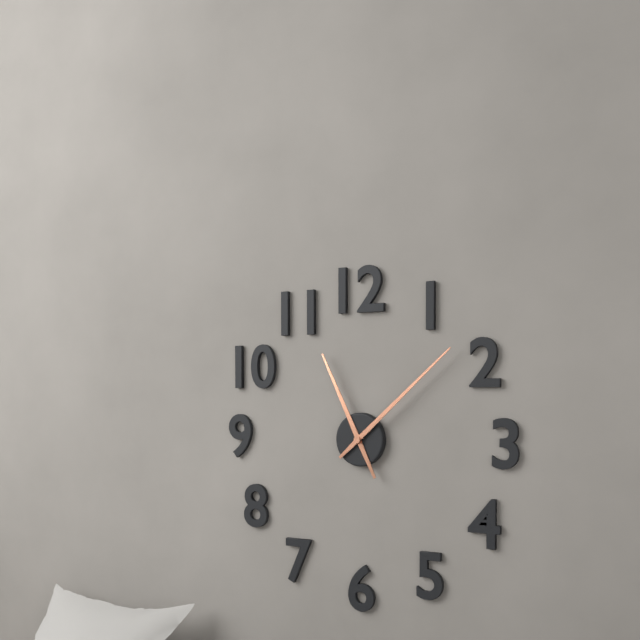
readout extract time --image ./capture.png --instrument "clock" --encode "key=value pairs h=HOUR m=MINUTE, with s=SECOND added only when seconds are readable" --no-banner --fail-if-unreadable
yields h=11 m=8
